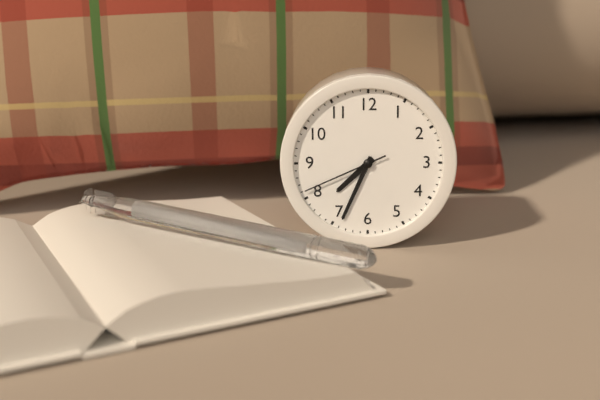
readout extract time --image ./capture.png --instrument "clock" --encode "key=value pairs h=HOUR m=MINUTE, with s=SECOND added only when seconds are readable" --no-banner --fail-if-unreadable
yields h=7 m=34 s=41
